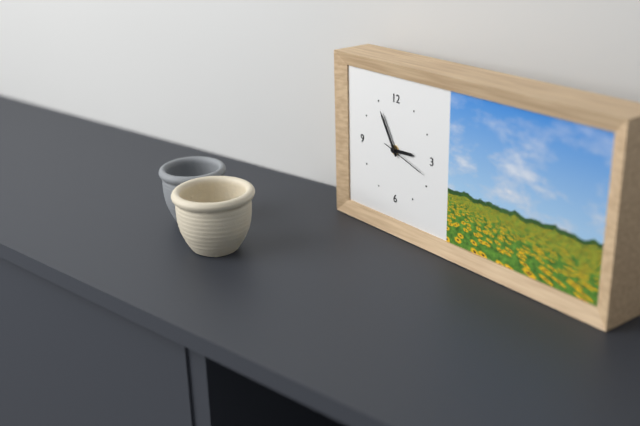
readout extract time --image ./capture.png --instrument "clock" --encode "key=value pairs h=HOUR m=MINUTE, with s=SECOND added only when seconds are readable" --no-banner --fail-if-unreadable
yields h=2 m=55
